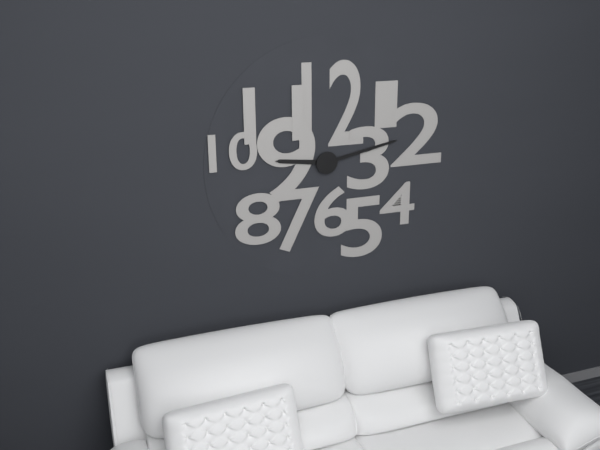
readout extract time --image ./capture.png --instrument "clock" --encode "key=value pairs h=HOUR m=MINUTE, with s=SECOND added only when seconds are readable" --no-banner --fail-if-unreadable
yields h=9 m=13
